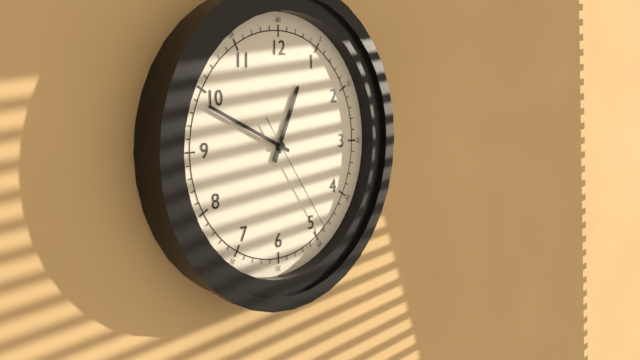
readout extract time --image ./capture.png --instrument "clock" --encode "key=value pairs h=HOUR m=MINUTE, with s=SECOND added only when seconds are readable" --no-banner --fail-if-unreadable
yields h=12 m=49 s=24
